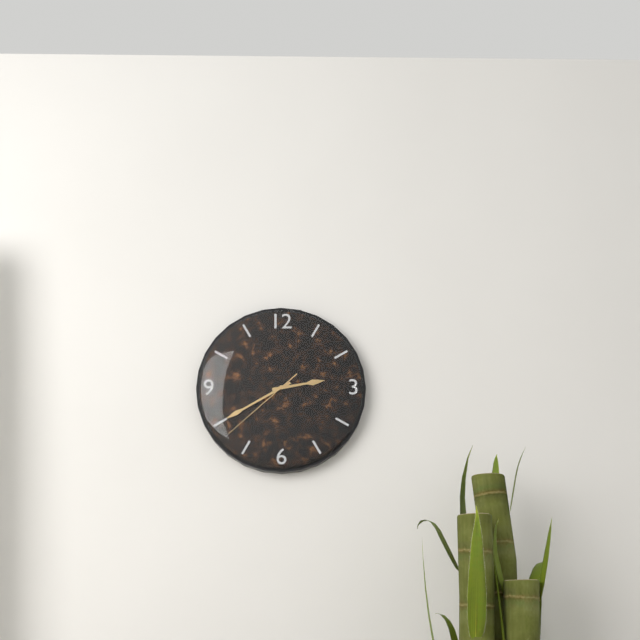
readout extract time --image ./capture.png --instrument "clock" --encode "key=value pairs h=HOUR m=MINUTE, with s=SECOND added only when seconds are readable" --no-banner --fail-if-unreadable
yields h=2 m=40 s=38
